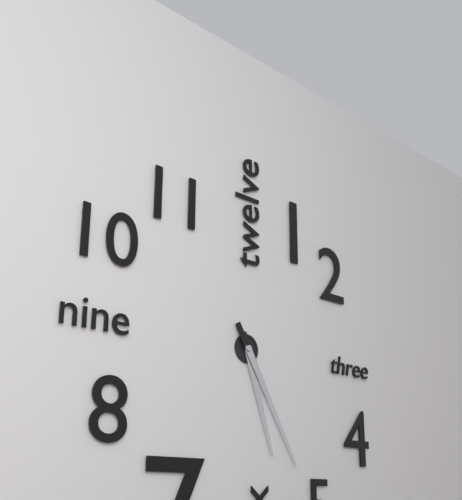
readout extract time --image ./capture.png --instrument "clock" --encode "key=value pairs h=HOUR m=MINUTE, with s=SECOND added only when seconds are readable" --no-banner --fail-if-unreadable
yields h=5 m=25
